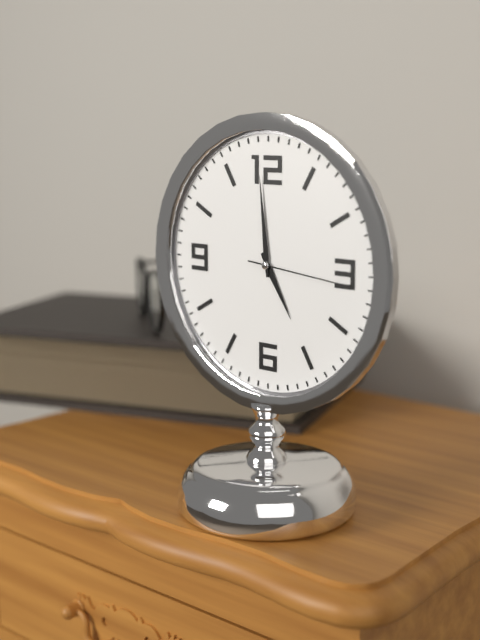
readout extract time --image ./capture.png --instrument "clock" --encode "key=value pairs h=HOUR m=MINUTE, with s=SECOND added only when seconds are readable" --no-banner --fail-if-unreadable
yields h=4 m=59 s=16
